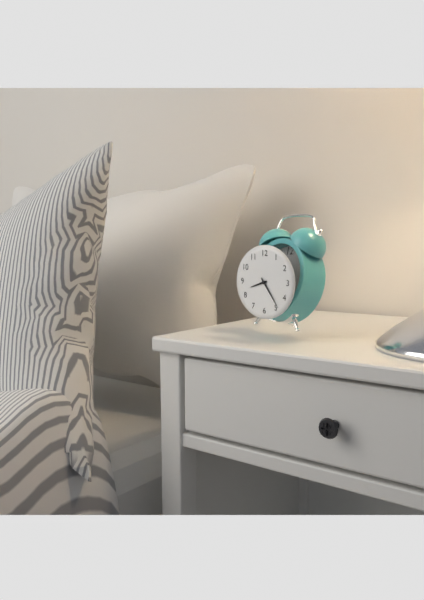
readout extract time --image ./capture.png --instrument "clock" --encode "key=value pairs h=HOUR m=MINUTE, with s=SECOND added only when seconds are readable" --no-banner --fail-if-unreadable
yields h=8 m=24
